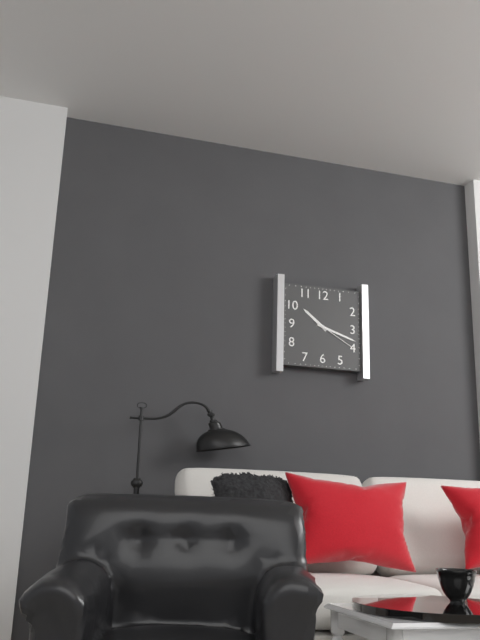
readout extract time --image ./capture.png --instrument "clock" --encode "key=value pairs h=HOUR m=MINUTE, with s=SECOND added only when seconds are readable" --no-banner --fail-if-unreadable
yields h=10 m=18
